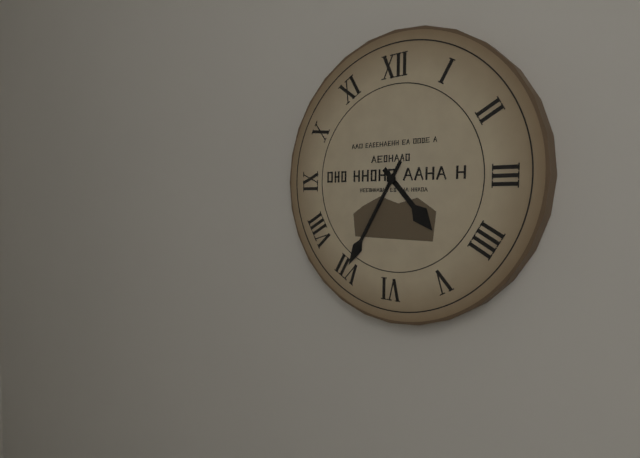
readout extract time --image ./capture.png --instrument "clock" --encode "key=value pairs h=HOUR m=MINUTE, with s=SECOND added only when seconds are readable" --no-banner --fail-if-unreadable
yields h=4 m=35
